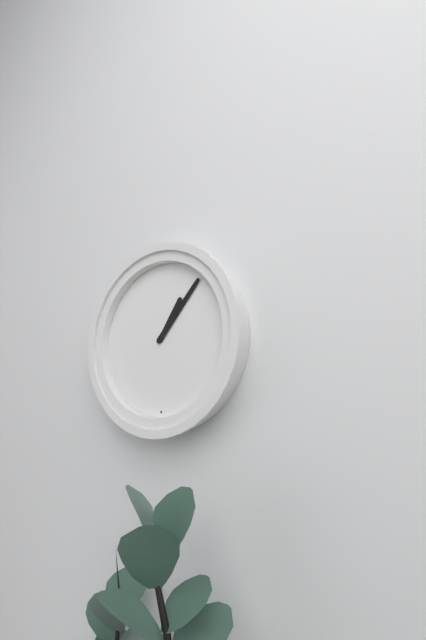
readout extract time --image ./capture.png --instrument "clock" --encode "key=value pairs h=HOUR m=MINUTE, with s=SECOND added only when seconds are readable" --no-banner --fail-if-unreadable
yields h=1 m=7
